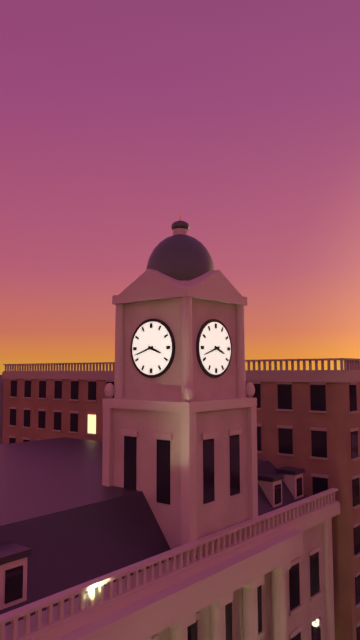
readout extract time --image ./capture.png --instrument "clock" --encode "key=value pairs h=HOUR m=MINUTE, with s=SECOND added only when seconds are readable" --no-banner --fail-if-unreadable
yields h=3 m=42
